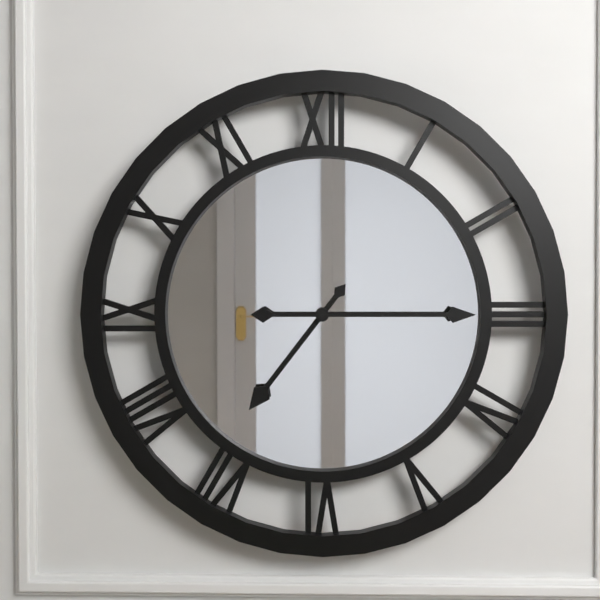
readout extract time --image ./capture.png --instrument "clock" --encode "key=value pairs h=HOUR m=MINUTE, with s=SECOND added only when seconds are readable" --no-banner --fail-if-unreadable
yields h=7 m=15
